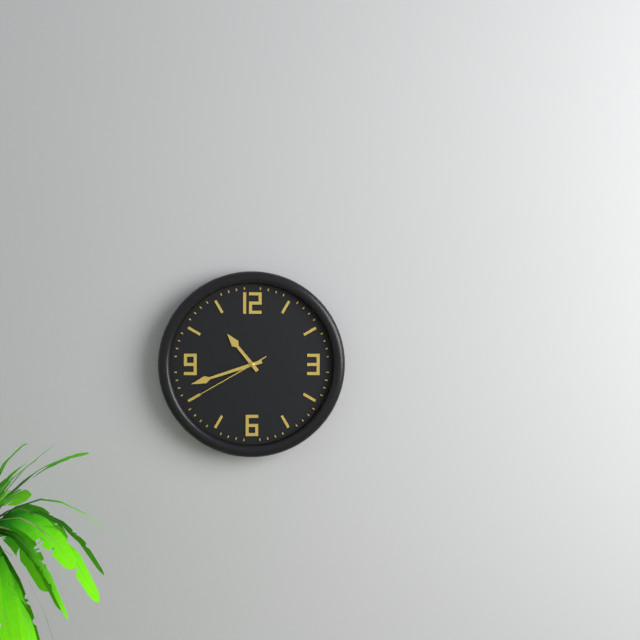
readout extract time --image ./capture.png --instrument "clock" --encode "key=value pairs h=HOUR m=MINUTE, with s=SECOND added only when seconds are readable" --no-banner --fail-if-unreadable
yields h=10 m=42 s=40
